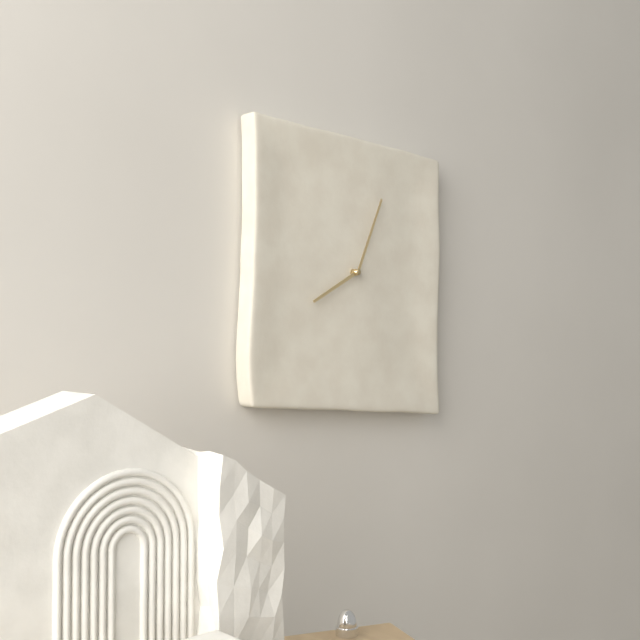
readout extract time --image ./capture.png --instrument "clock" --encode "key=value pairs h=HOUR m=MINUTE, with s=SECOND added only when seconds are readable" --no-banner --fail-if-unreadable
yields h=8 m=4
